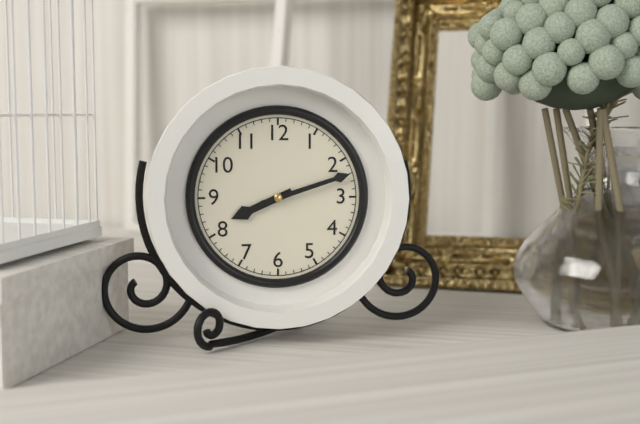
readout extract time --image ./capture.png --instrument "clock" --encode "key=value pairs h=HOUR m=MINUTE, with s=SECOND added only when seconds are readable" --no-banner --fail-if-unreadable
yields h=8 m=12
